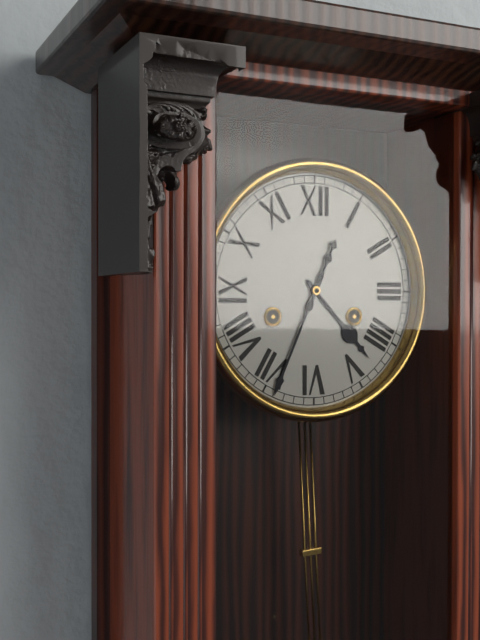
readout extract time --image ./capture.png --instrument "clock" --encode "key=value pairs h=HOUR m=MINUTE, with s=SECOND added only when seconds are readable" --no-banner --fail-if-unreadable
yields h=4 m=34
